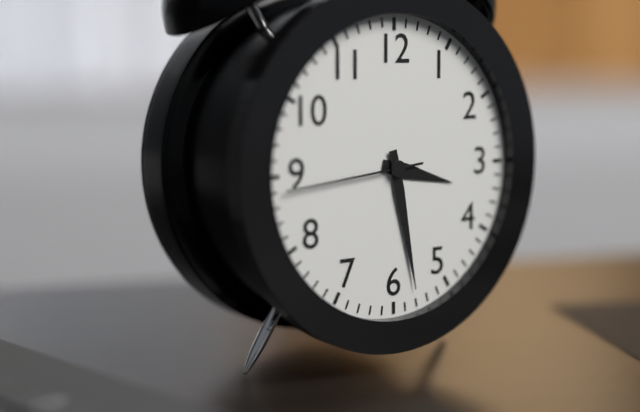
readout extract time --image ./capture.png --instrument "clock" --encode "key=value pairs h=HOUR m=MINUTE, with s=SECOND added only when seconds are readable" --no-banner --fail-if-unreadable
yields h=3 m=28 s=44
